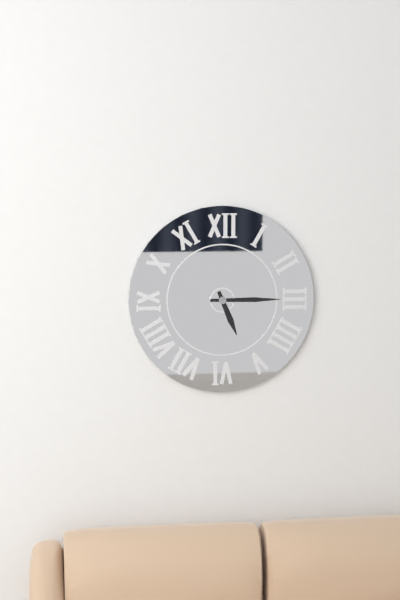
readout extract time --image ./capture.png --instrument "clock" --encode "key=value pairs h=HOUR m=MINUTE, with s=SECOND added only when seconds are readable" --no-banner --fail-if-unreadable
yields h=5 m=15
